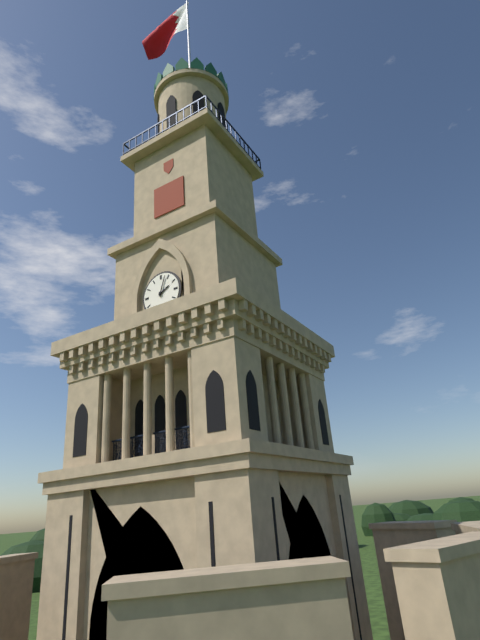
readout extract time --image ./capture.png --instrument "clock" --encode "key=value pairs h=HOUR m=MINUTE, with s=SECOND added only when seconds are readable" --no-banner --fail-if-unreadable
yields h=2 m=3
